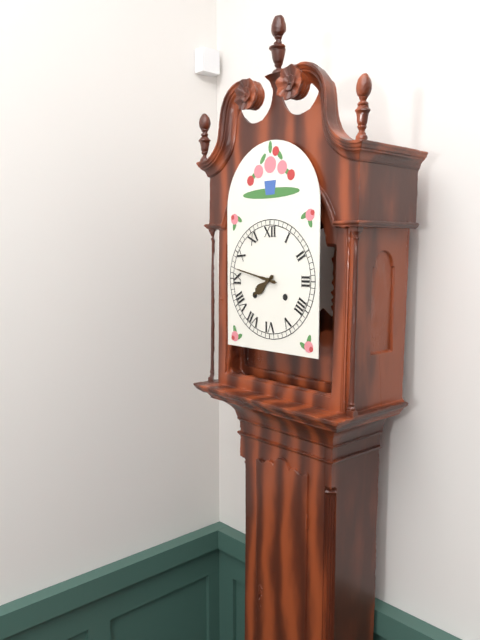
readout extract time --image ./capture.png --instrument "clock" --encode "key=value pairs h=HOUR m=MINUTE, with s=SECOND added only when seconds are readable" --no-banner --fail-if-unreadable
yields h=7 m=47
